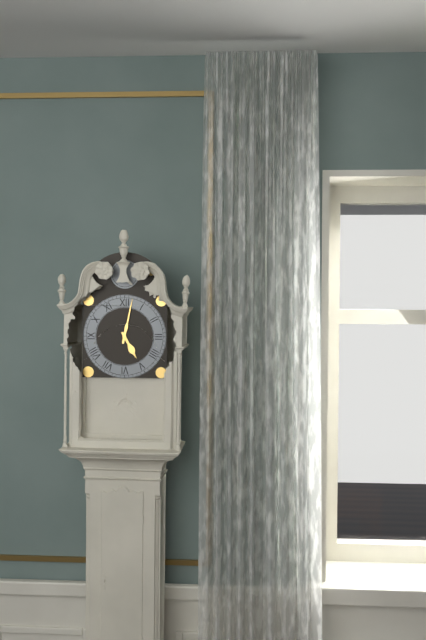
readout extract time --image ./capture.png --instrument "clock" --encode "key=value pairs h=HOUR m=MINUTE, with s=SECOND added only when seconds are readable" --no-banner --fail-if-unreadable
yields h=5 m=2
